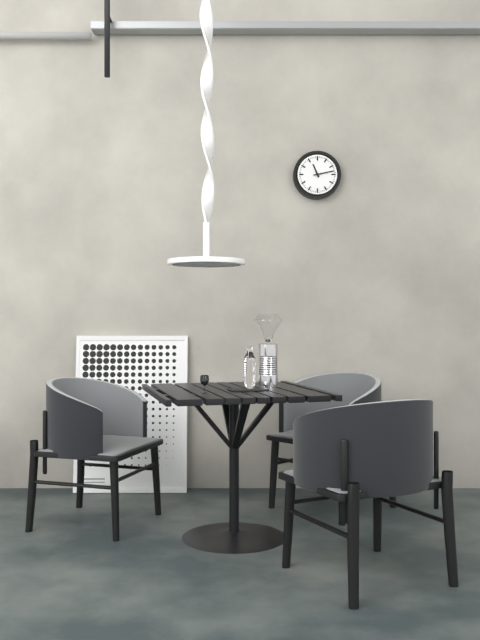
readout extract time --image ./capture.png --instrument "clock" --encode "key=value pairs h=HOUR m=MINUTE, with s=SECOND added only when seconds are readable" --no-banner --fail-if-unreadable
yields h=11 m=13
